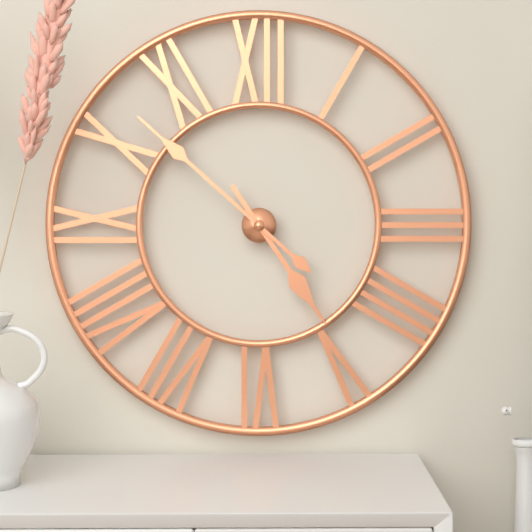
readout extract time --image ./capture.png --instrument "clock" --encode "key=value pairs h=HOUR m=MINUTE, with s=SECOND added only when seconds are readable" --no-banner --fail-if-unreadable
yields h=4 m=52
